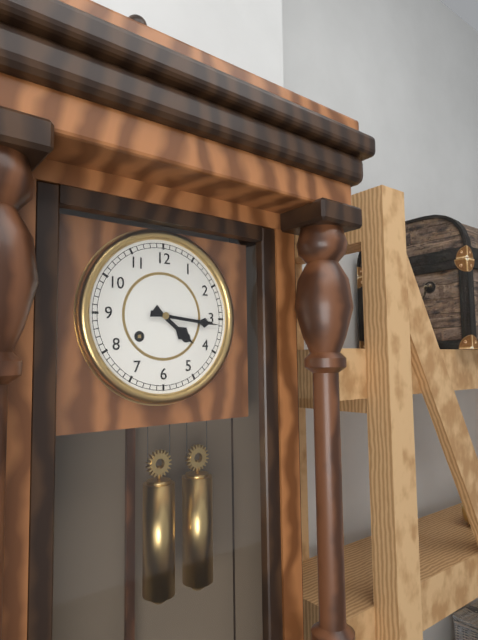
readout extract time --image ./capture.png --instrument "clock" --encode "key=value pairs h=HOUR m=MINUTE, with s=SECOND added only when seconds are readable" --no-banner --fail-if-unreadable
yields h=4 m=16
